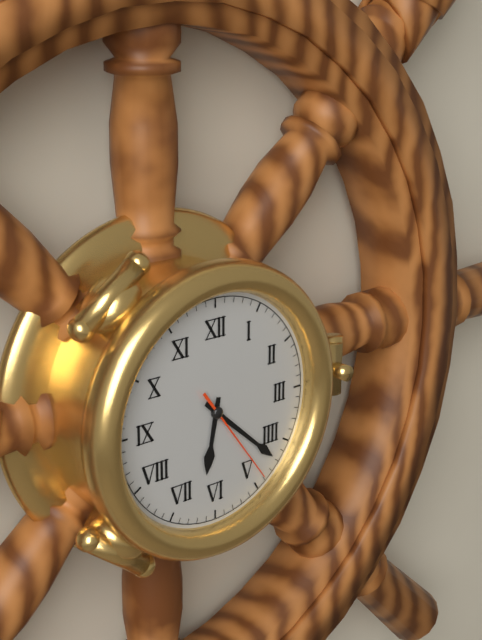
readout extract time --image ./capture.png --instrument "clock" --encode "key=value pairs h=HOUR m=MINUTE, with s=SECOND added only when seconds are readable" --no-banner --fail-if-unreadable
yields h=6 m=22 s=24
